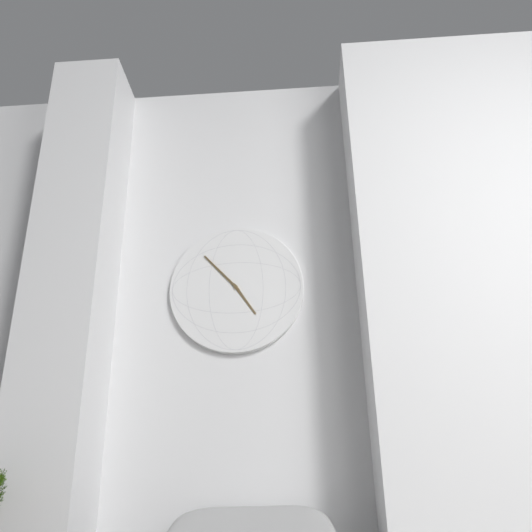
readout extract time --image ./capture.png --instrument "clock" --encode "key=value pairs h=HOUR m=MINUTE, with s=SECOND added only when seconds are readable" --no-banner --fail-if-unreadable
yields h=4 m=53
